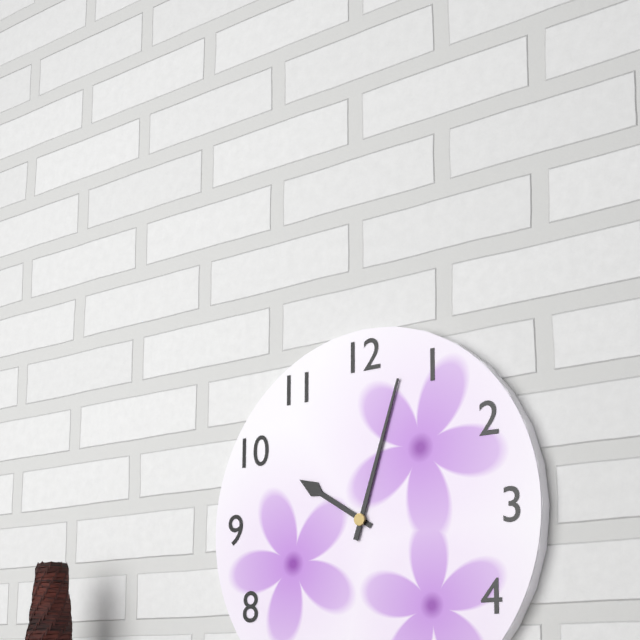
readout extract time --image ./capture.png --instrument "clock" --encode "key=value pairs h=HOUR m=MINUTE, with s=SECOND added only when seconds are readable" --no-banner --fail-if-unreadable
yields h=10 m=3
